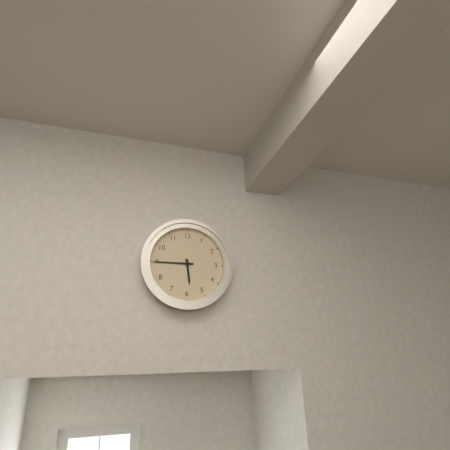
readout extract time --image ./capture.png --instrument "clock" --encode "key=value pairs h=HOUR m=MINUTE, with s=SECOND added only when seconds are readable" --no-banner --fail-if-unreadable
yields h=5 m=45
